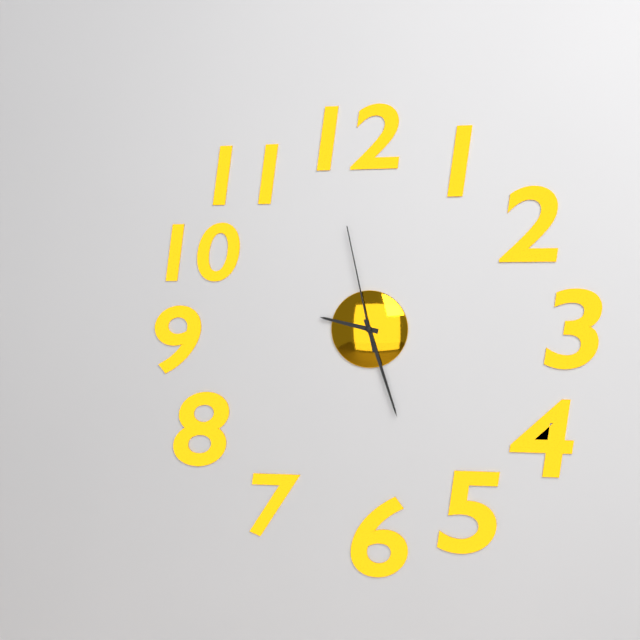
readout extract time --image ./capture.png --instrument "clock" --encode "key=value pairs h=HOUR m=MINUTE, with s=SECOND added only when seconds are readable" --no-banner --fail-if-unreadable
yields h=9 m=27 s=58
